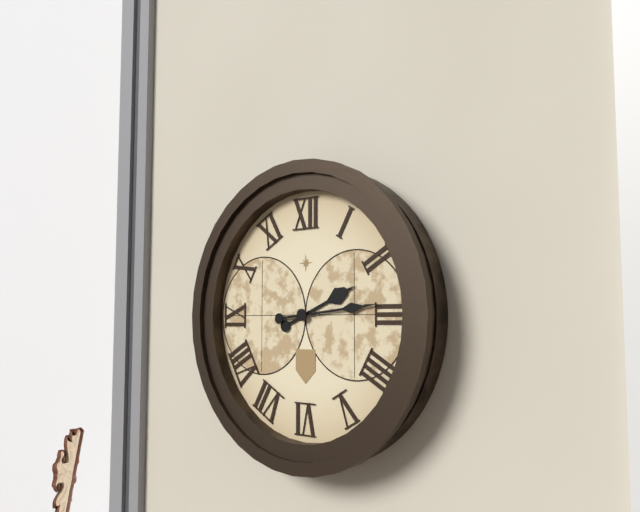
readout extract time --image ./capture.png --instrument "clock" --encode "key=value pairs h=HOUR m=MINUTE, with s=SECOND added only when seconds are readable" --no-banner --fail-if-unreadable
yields h=2 m=14
